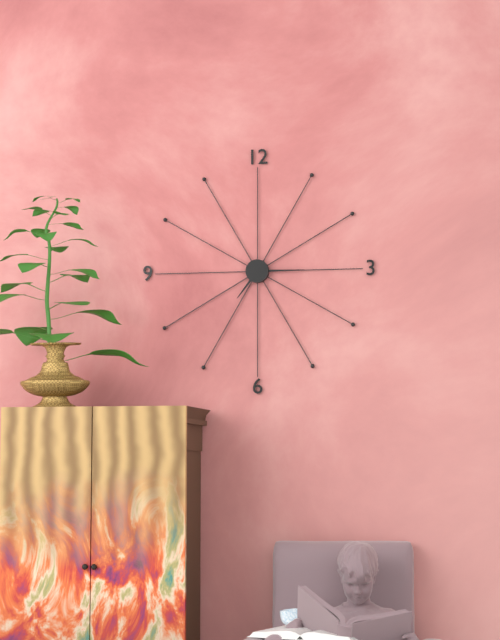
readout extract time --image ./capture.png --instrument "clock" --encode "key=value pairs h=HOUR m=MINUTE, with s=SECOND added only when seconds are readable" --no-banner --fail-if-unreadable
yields h=7 m=15
